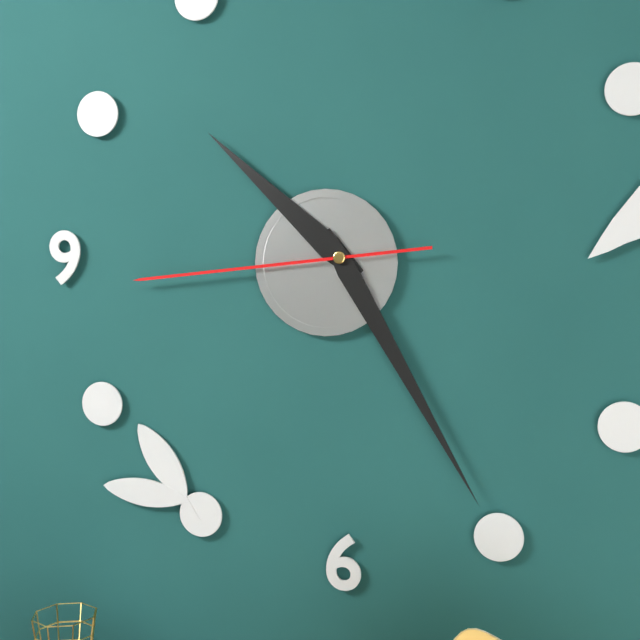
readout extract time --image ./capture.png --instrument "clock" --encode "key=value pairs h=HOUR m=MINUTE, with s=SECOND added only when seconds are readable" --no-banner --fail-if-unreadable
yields h=10 m=25 s=44
